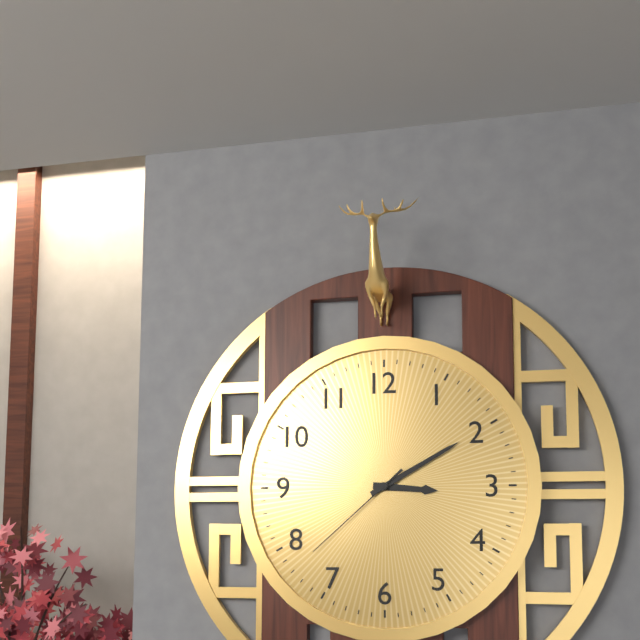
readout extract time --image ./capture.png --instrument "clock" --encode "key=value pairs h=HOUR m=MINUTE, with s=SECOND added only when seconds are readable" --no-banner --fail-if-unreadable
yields h=3 m=10 s=38
